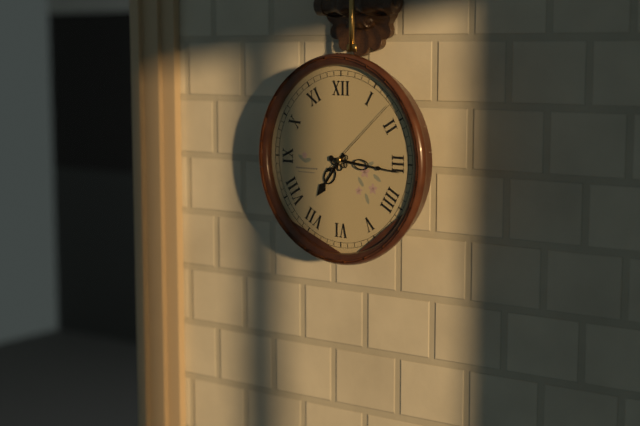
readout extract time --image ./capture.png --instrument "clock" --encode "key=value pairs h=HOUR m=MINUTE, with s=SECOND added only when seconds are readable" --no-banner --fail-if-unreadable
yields h=7 m=16 s=8
